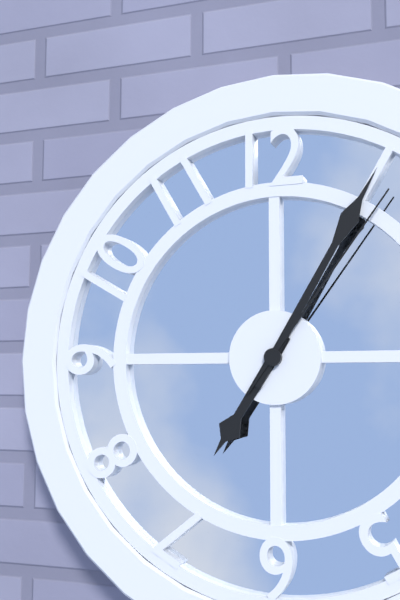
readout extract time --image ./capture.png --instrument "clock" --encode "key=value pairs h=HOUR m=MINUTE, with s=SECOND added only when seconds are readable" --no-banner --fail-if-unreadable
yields h=7 m=5 s=6
